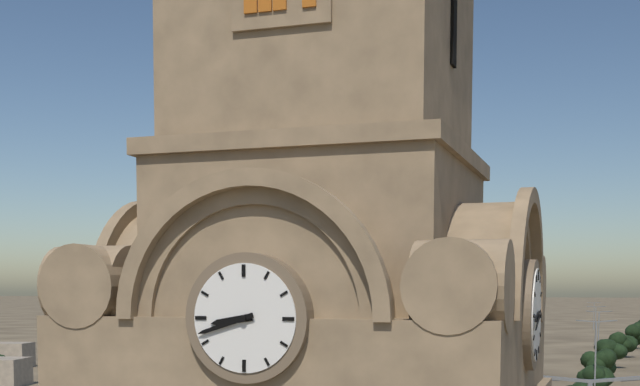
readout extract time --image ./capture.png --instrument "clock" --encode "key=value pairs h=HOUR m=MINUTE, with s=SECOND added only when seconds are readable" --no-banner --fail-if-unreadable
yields h=8 m=42
